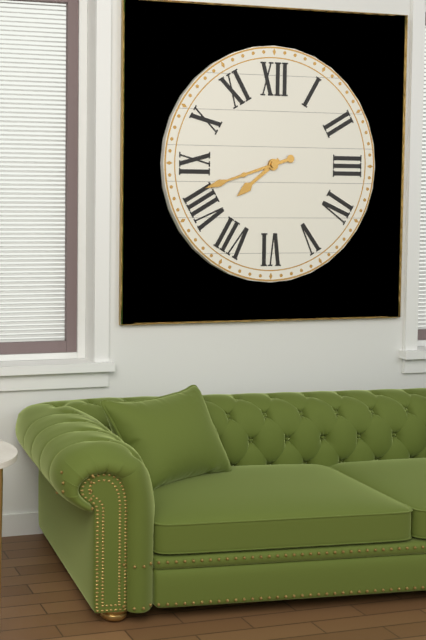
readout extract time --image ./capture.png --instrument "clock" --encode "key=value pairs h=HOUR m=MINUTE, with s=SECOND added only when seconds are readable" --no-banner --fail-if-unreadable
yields h=7 m=42
